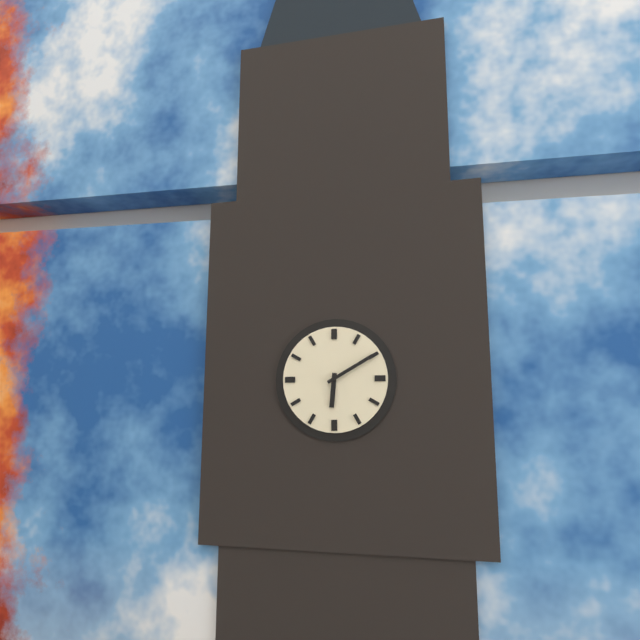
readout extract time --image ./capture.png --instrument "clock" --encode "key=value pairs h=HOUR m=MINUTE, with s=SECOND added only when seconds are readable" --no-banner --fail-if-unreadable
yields h=6 m=10
